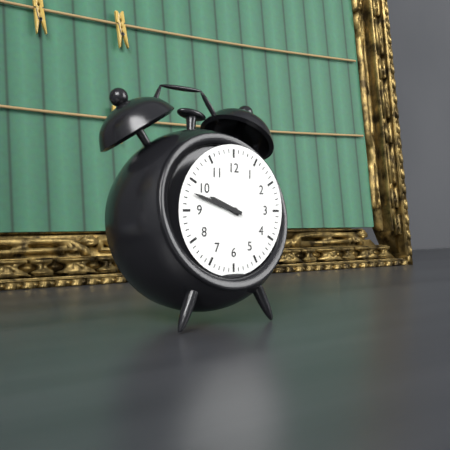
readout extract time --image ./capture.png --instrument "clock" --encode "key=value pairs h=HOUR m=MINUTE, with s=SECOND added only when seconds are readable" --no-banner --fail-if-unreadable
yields h=9 m=48
